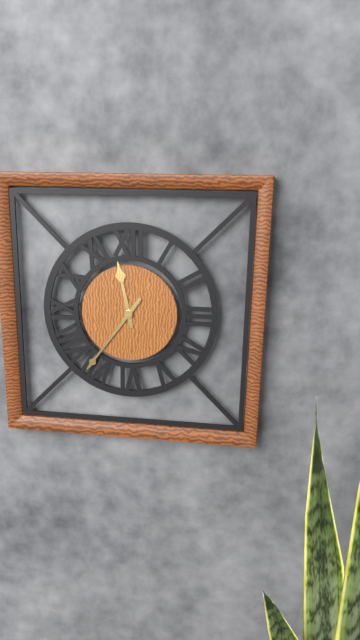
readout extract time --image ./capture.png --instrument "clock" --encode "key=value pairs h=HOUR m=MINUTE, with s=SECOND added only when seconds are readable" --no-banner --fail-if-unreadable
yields h=11 m=36
